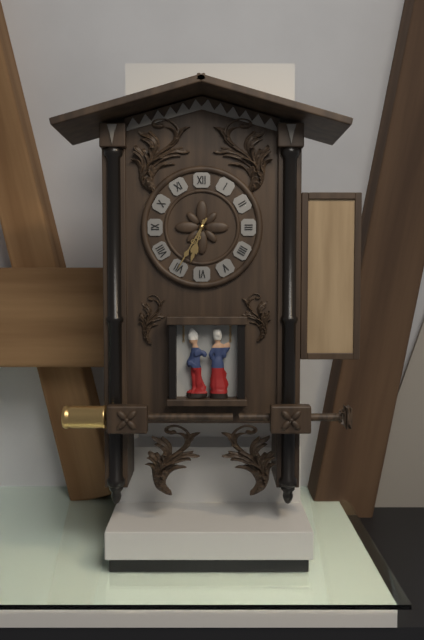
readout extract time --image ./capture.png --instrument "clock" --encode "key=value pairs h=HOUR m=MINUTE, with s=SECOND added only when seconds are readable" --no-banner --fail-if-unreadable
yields h=6 m=35
